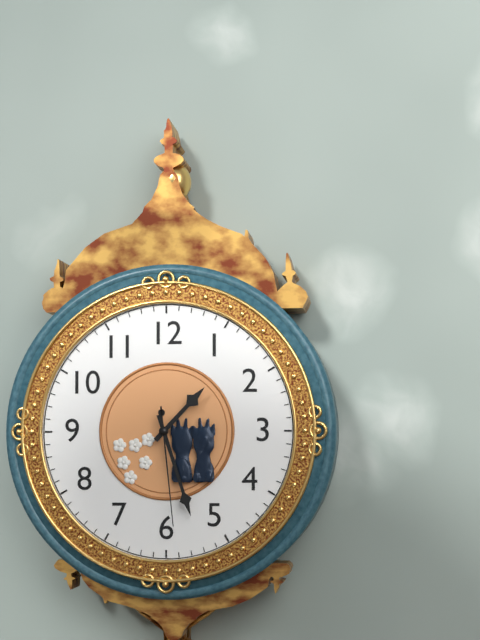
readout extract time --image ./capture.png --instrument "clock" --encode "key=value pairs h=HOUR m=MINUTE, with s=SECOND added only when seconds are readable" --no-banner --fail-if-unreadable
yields h=1 m=27 s=29
